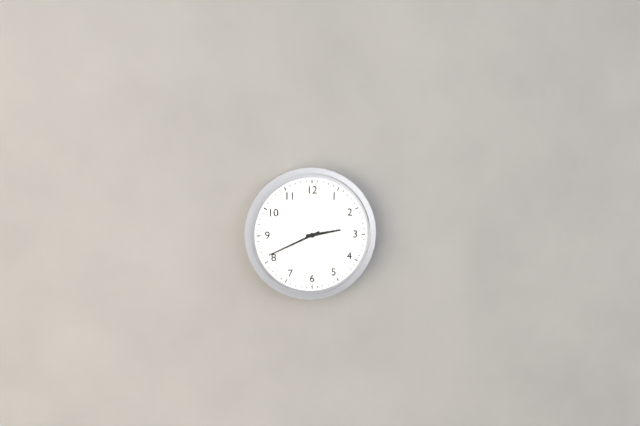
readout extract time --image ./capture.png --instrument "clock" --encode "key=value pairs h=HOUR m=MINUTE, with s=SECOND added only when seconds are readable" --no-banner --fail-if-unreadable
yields h=2 m=41
